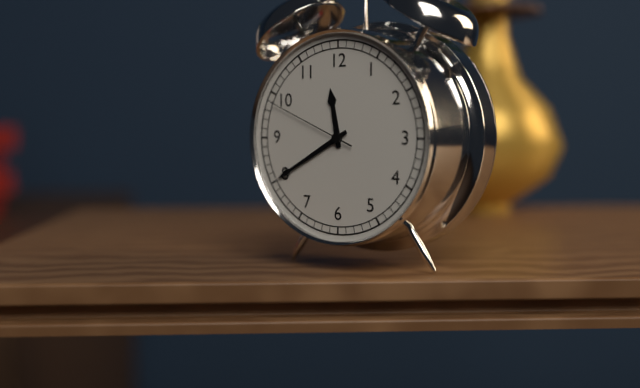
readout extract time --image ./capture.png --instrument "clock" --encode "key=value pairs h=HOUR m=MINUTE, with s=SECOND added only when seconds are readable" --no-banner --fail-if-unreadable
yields h=11 m=40 s=49
